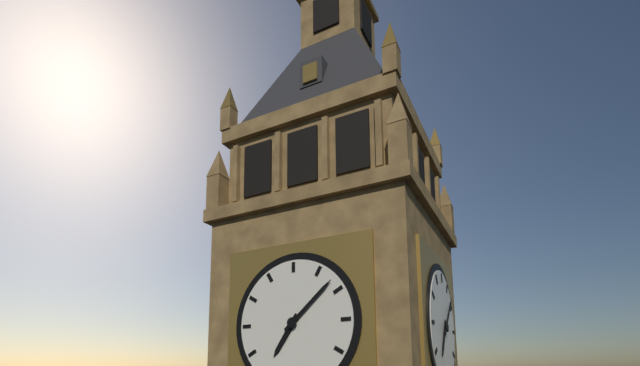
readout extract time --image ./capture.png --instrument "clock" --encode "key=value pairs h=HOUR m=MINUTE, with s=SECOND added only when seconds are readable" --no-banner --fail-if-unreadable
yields h=7 m=8
